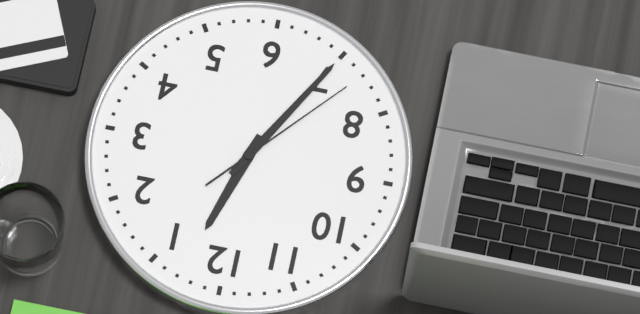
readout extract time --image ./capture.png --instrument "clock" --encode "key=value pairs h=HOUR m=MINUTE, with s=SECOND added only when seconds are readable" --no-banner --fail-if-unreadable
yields h=12 m=35 s=37
